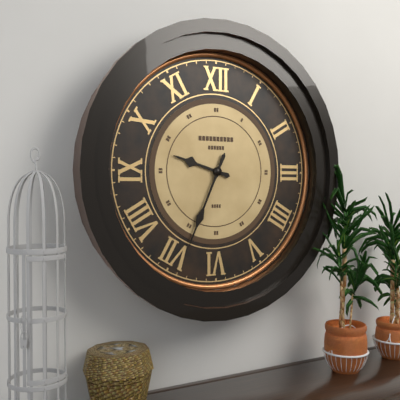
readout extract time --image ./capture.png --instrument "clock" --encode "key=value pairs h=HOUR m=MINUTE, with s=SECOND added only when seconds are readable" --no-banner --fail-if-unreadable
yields h=9 m=34
